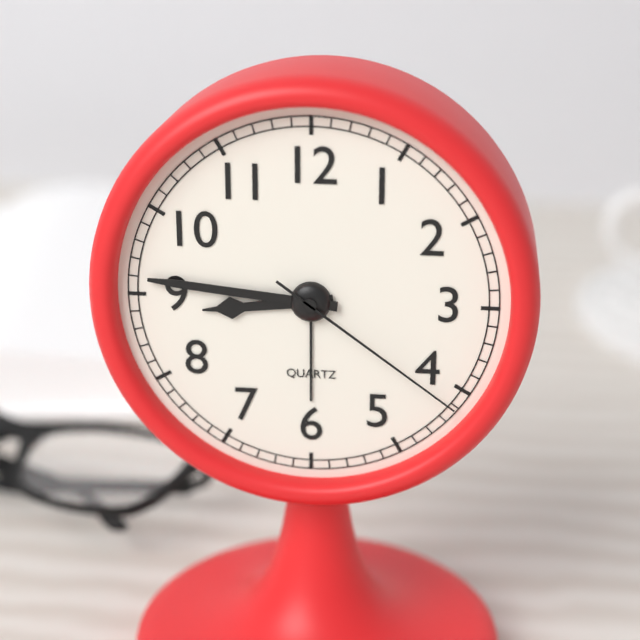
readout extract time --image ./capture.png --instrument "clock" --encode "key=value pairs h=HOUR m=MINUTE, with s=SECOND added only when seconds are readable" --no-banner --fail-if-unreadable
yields h=8 m=46 s=21
